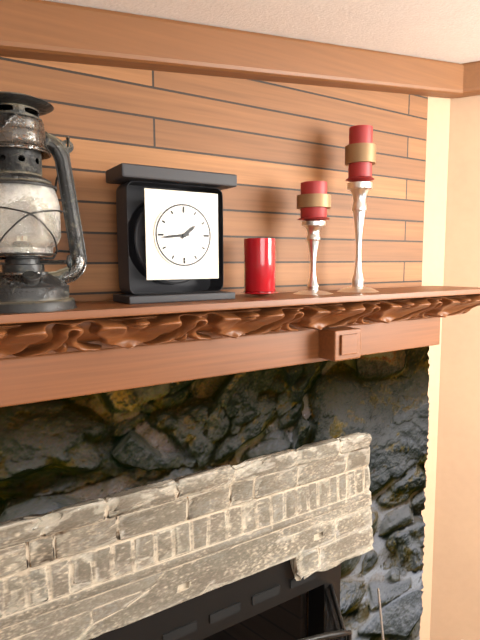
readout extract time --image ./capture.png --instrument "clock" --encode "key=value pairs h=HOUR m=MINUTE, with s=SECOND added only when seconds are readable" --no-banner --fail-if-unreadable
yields h=1 m=44
